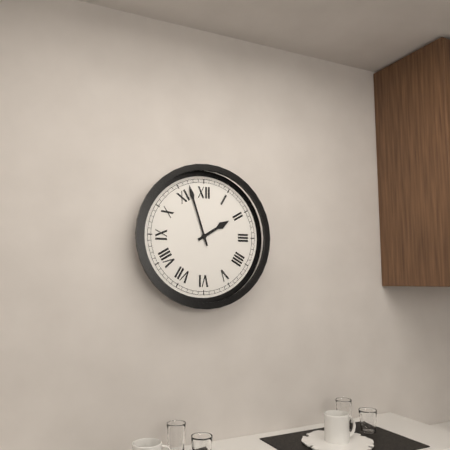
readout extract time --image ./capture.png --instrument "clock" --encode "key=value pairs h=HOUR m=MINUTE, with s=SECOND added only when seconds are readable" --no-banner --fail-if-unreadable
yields h=1 m=57
